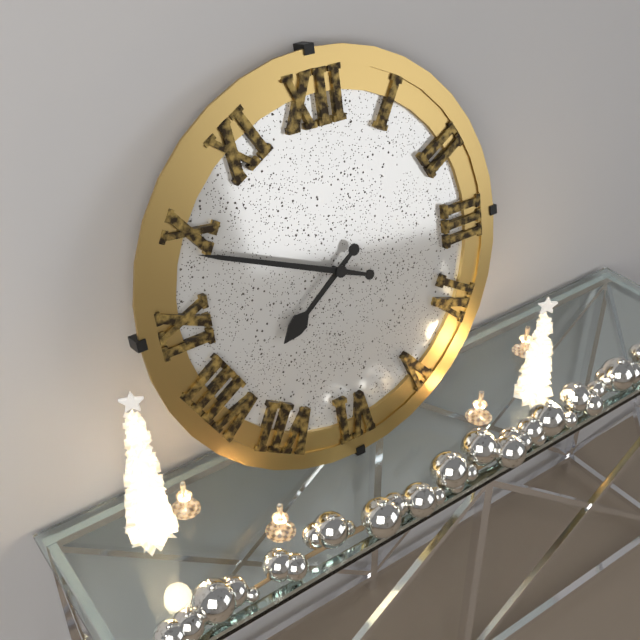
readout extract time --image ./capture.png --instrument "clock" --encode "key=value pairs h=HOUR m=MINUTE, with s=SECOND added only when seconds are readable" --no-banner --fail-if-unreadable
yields h=7 m=49
